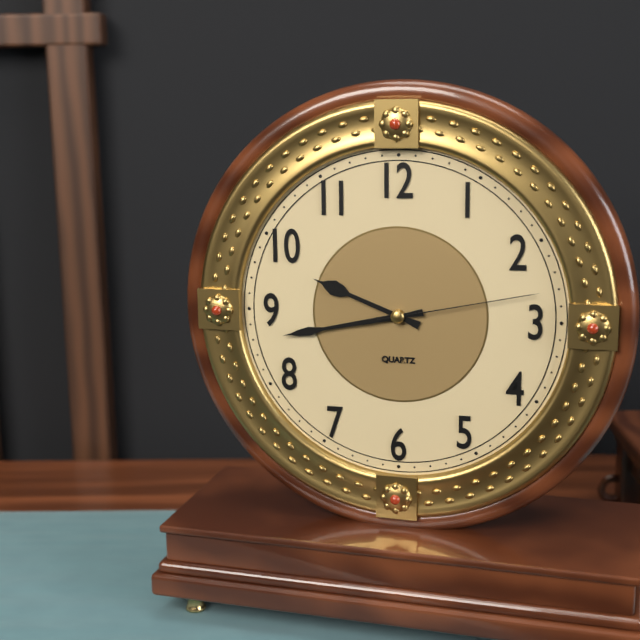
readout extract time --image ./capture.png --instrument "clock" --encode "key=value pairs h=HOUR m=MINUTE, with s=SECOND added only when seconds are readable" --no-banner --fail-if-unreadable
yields h=9 m=43 s=13
